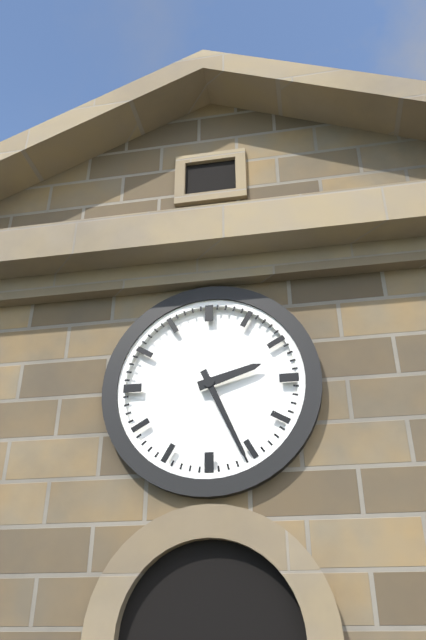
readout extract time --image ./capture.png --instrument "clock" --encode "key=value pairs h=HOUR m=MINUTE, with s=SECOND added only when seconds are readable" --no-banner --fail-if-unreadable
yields h=2 m=26
